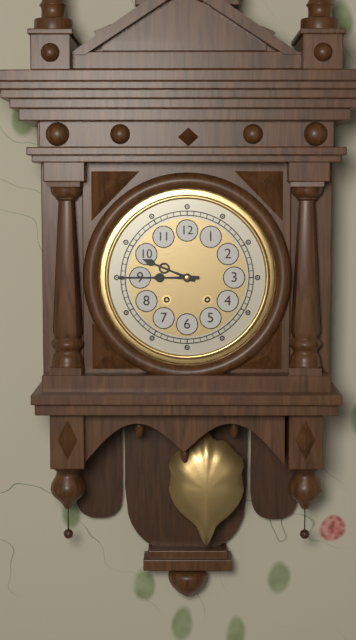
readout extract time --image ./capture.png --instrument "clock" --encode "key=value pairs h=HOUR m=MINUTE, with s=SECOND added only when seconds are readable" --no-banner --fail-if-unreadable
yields h=9 m=45
